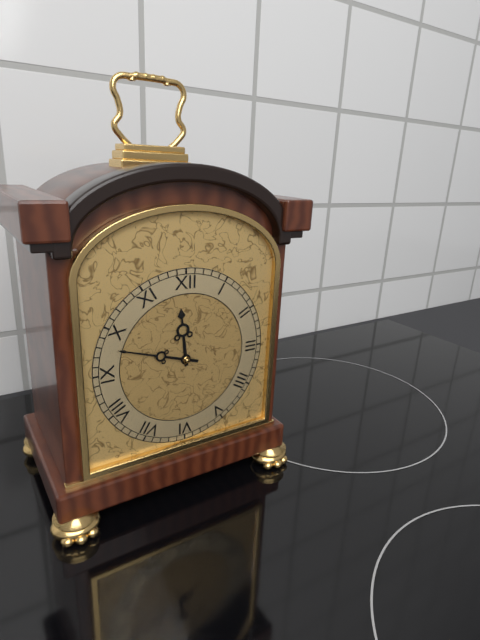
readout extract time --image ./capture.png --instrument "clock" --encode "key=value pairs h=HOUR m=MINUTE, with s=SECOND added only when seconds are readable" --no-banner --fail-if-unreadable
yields h=11 m=48
